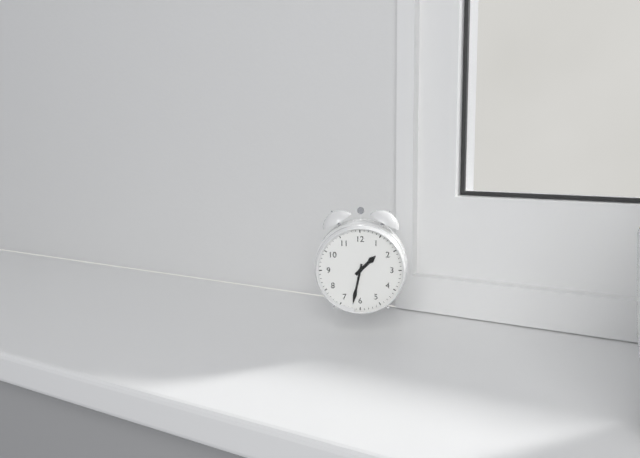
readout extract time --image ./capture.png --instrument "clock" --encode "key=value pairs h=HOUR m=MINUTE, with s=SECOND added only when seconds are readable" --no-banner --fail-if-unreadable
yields h=1 m=32
